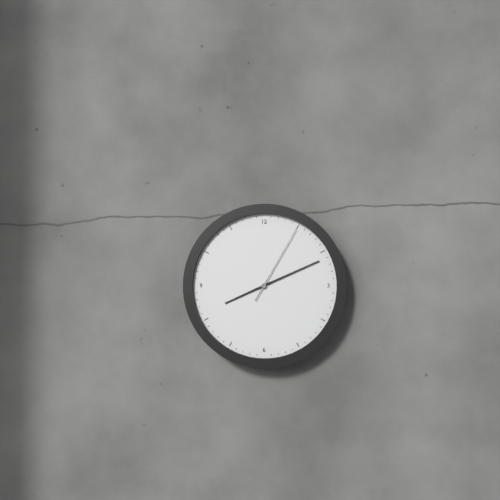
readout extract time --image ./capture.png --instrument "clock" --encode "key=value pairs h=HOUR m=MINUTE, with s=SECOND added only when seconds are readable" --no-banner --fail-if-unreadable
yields h=8 m=11 s=5
